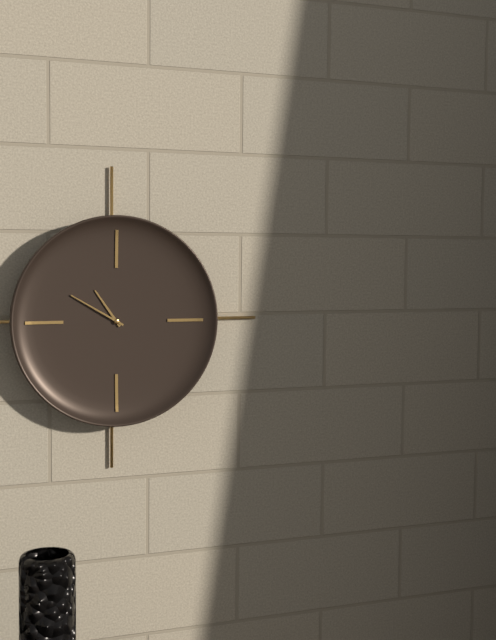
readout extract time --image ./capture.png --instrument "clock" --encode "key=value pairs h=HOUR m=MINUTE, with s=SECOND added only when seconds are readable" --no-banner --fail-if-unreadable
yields h=10 m=50
